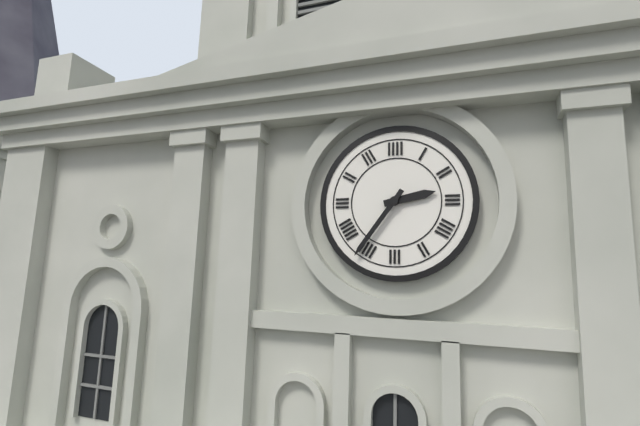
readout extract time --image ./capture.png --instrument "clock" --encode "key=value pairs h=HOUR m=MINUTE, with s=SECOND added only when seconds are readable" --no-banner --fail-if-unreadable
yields h=2 m=36
